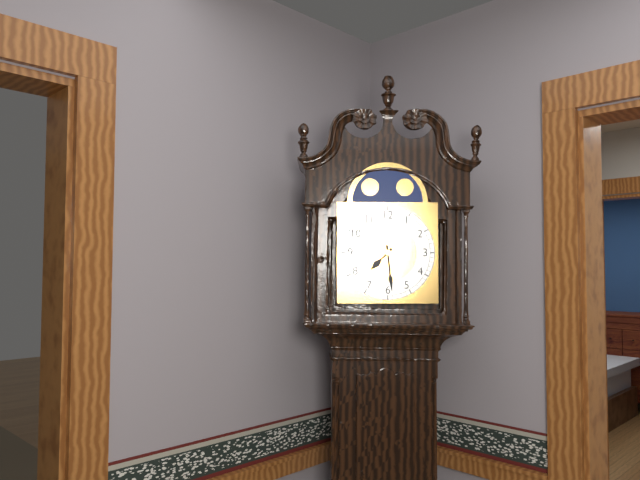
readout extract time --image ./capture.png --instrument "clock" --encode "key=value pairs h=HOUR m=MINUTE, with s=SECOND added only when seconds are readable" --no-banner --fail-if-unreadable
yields h=7 m=29
